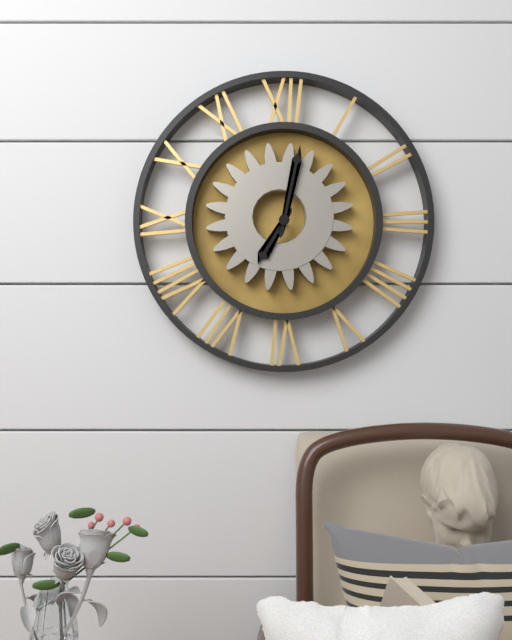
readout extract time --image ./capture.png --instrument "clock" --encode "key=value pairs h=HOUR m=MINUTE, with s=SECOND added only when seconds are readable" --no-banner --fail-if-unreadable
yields h=7 m=2
